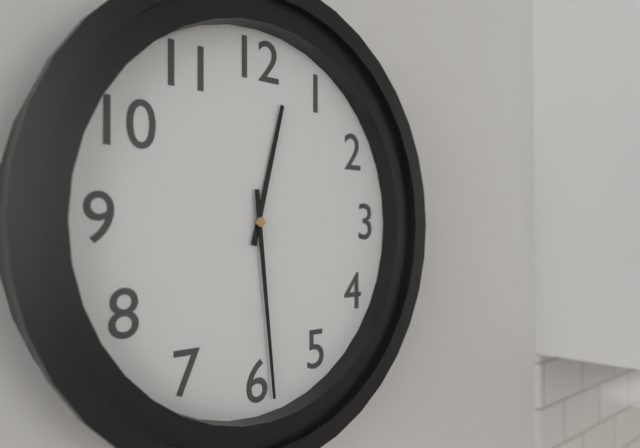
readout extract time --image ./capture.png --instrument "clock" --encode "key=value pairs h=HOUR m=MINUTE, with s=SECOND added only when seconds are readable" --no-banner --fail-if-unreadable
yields h=12 m=29
